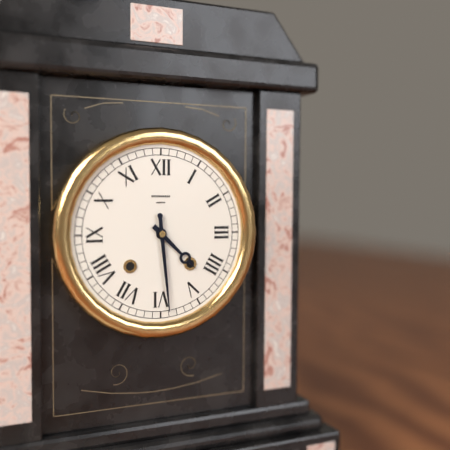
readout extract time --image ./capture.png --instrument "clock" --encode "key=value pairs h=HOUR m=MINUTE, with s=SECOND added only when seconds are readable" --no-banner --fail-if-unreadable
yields h=4 m=29
